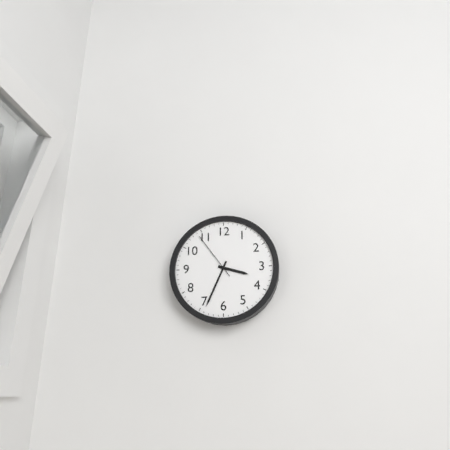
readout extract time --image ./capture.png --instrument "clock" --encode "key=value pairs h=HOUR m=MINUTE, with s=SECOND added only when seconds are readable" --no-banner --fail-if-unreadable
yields h=3 m=34 s=54
